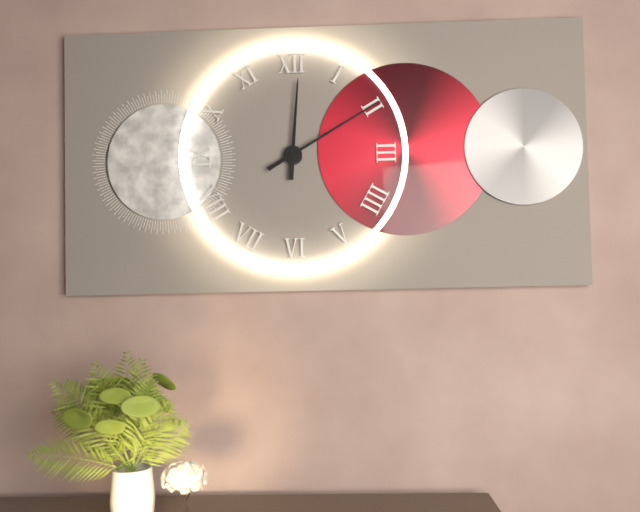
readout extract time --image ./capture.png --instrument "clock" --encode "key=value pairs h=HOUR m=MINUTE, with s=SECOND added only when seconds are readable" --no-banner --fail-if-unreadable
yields h=12 m=10
